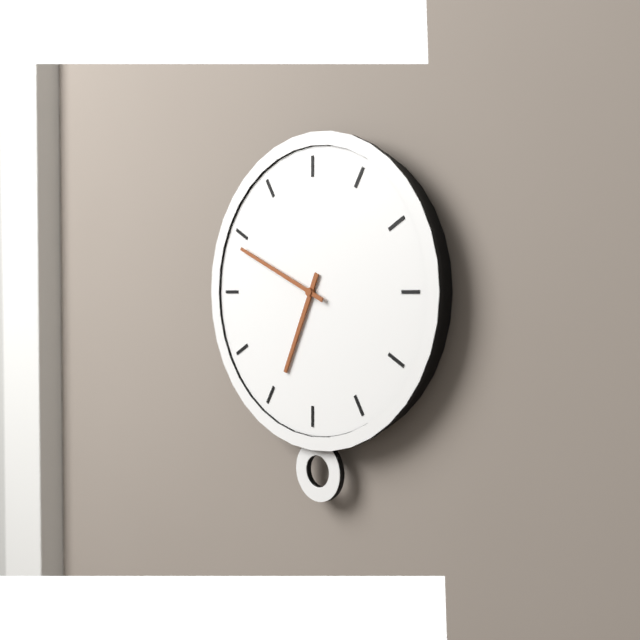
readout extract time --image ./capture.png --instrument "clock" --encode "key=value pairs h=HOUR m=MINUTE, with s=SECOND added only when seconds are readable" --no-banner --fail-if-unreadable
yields h=6 m=49
